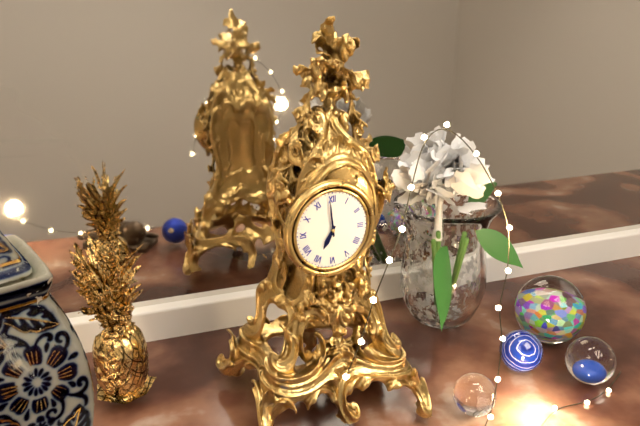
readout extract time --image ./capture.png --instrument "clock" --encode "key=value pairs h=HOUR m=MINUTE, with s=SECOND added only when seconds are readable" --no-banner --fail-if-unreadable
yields h=6 m=59
